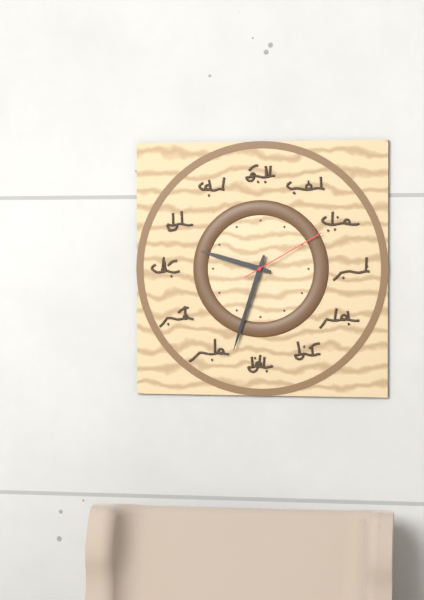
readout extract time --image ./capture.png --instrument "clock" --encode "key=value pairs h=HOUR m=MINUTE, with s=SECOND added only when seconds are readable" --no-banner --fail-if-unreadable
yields h=9 m=33 s=10
